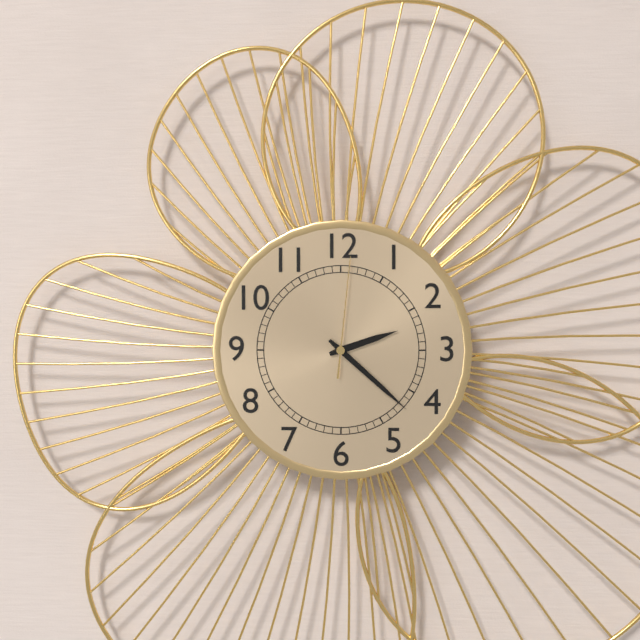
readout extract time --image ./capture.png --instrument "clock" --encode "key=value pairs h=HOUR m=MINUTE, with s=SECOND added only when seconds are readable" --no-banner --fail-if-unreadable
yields h=2 m=22 s=1
